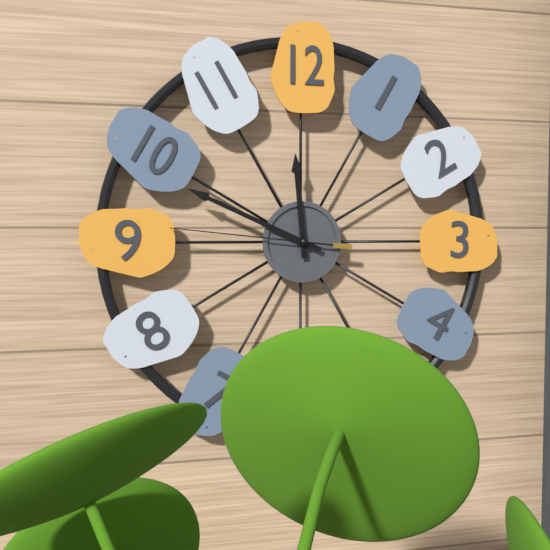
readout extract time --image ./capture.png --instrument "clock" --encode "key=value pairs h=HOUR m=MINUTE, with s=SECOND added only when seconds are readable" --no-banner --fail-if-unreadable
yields h=11 m=49 s=46
